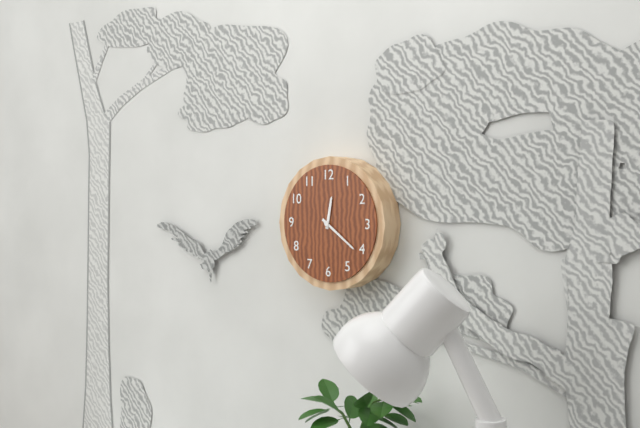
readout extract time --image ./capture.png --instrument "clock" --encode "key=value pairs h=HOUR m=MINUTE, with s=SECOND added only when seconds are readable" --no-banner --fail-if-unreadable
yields h=12 m=21
